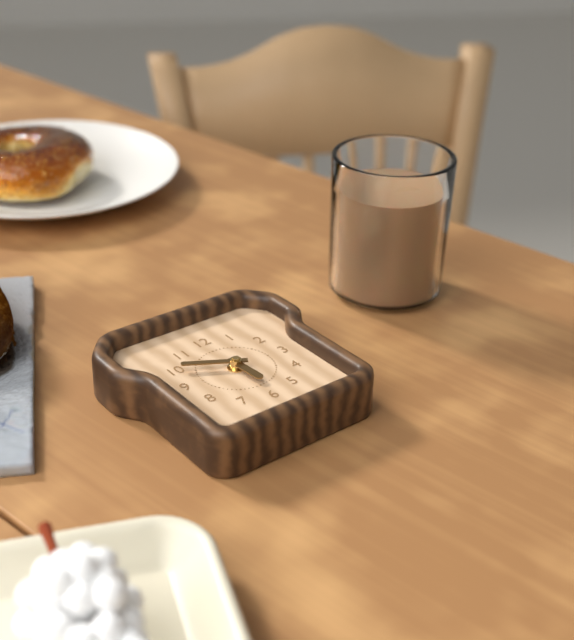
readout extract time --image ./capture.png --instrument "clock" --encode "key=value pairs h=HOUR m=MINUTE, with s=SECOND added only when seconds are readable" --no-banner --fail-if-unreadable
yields h=5 m=50
